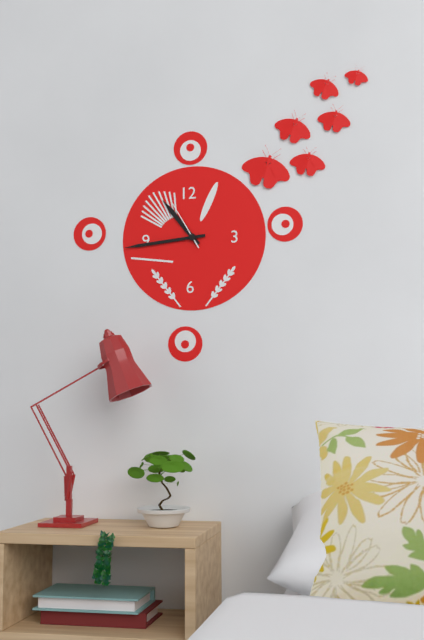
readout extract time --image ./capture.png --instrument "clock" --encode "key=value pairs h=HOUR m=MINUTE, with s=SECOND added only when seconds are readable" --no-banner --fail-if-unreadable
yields h=10 m=44 s=55
